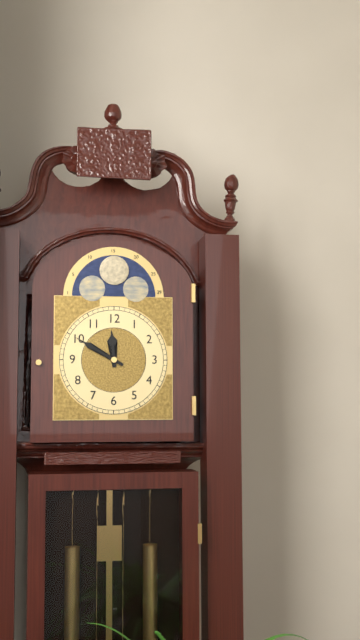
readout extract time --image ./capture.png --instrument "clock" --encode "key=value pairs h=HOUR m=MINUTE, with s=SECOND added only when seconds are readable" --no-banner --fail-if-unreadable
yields h=11 m=50
